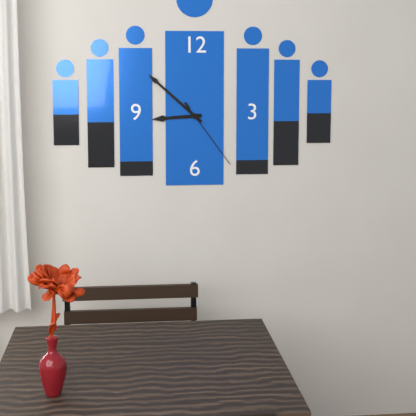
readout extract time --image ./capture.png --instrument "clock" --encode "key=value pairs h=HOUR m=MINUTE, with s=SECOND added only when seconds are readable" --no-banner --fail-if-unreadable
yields h=8 m=52 s=24
